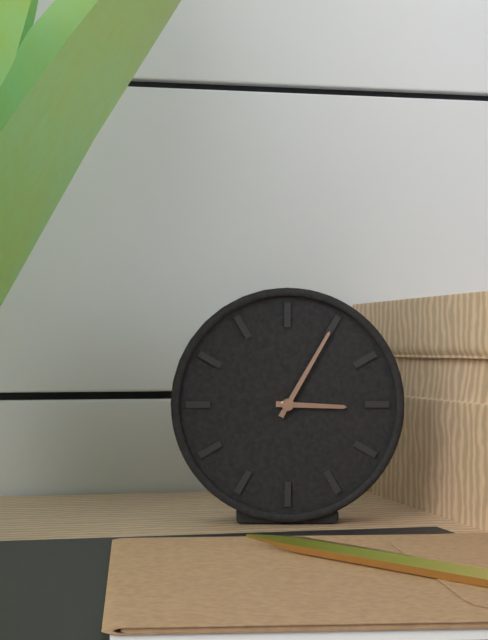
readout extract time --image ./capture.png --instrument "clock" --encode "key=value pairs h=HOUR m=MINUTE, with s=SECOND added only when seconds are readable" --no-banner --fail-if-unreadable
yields h=3 m=5
